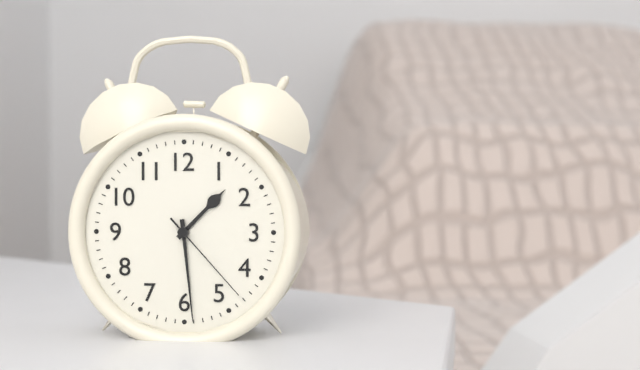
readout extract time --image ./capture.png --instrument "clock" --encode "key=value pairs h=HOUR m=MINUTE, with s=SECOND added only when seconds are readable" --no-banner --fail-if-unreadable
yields h=1 m=29 s=23
